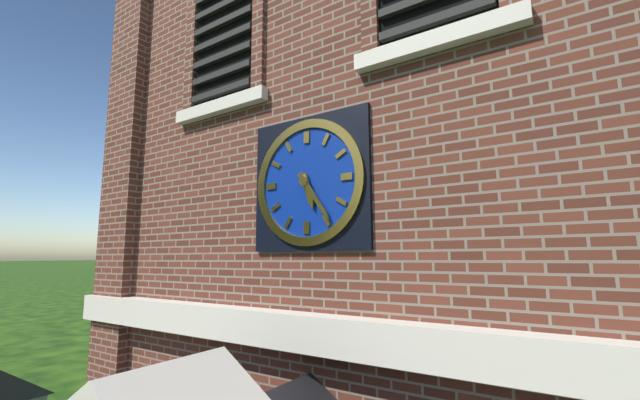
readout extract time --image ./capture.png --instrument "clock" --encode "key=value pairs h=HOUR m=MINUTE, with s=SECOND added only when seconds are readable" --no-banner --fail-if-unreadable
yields h=5 m=24
